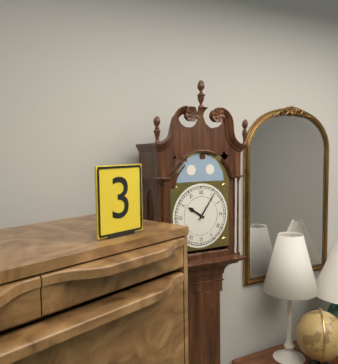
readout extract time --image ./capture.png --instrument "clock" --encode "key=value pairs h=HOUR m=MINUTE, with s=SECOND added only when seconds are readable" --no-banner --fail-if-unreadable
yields h=10 m=6
